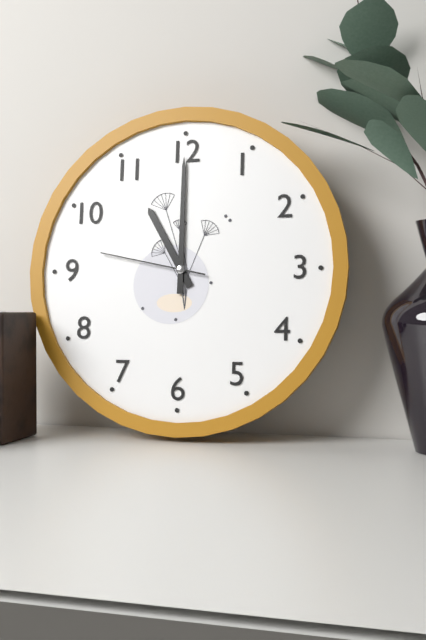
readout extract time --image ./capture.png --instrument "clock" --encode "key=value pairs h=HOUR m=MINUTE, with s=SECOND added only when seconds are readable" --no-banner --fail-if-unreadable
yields h=11 m=0 s=47
